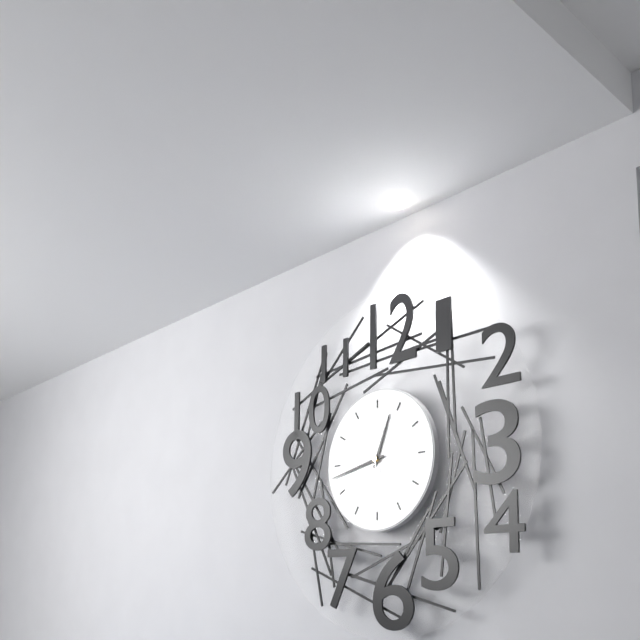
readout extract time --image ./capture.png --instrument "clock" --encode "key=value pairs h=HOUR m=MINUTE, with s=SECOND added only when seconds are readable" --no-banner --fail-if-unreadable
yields h=12 m=43 s=29
